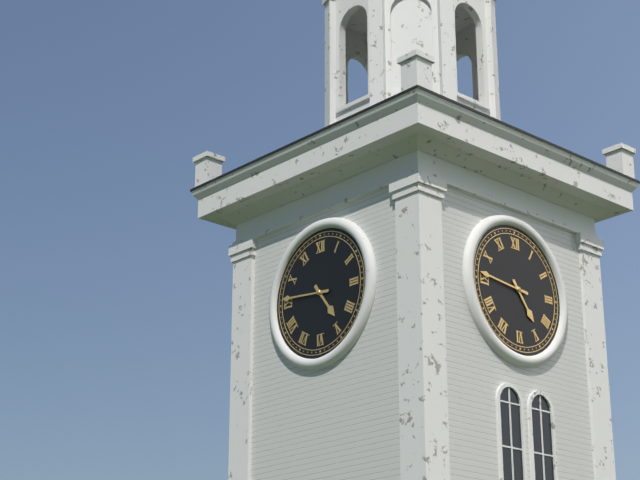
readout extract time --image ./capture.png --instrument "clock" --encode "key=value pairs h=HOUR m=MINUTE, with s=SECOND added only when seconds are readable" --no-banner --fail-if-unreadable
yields h=4 m=46
